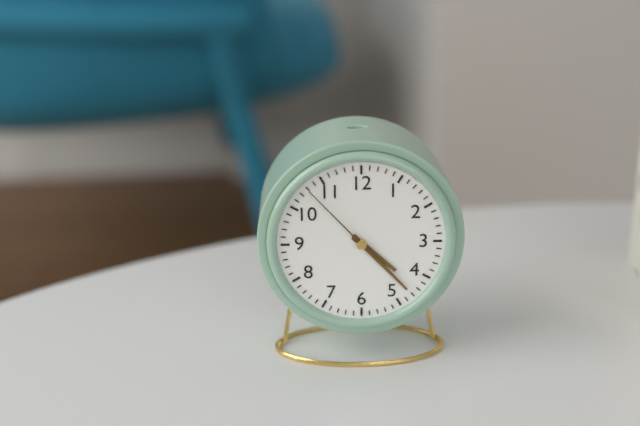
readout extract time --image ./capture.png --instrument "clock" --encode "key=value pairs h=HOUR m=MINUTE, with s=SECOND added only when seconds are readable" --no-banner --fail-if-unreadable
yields h=4 m=23 s=53
